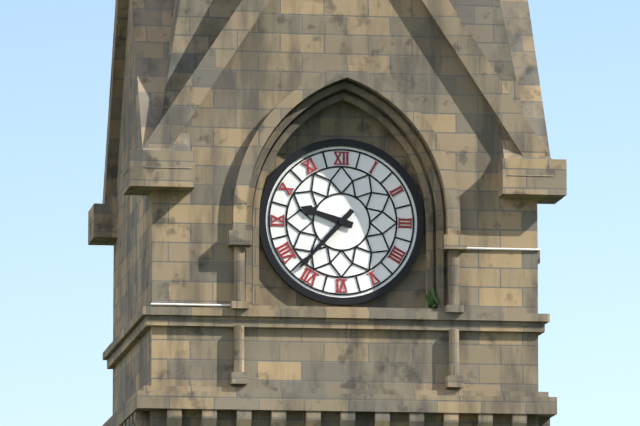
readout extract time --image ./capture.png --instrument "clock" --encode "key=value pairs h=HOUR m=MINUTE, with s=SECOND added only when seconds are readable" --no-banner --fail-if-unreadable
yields h=9 m=37
